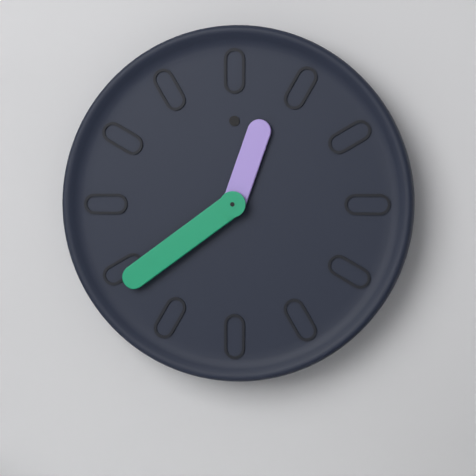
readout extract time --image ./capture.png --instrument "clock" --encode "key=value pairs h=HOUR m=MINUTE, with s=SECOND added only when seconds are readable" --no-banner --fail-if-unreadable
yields h=12 m=39
